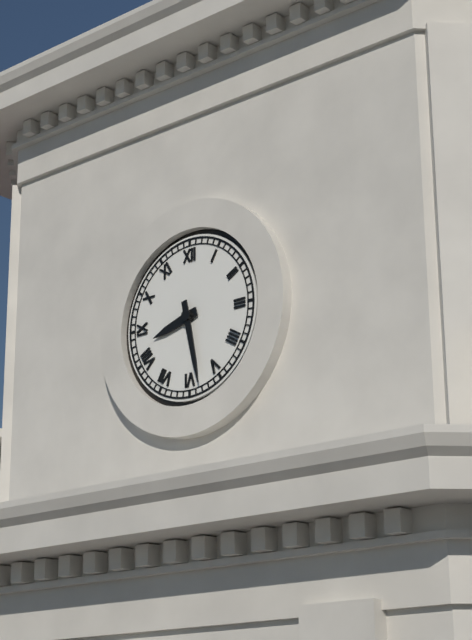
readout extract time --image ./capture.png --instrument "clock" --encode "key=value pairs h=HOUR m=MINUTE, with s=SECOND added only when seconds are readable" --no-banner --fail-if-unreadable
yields h=8 m=28
